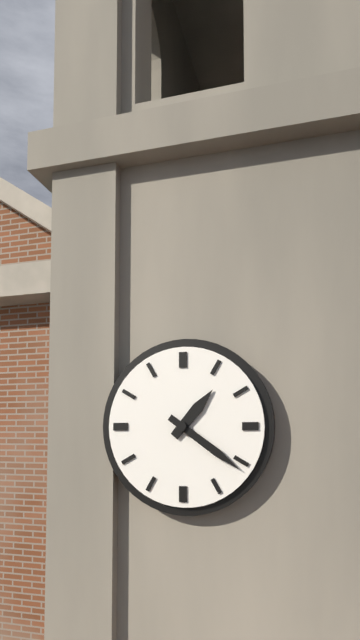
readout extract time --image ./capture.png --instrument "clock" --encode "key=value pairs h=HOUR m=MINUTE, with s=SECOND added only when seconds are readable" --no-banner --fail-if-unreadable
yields h=1 m=21
